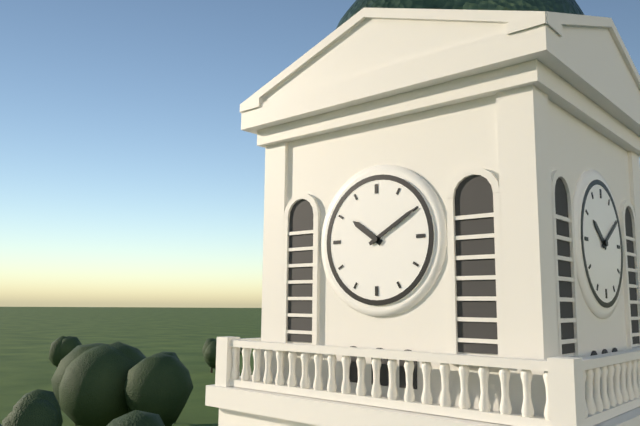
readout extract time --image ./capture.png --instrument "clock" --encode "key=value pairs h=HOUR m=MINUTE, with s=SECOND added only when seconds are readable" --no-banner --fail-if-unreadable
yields h=10 m=10
